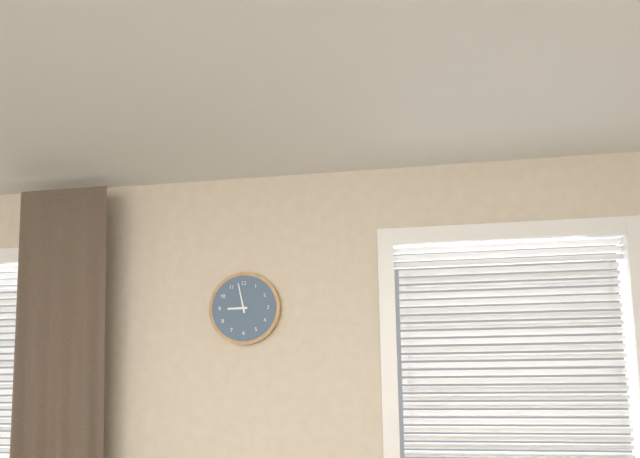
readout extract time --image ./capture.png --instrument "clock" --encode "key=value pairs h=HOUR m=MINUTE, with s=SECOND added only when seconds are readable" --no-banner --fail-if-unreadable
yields h=8 m=58
